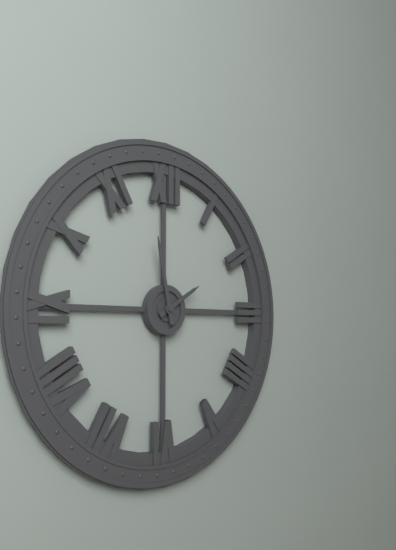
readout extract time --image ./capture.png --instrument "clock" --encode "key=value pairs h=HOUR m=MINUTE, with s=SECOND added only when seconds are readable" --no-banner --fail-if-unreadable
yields h=1 m=58
